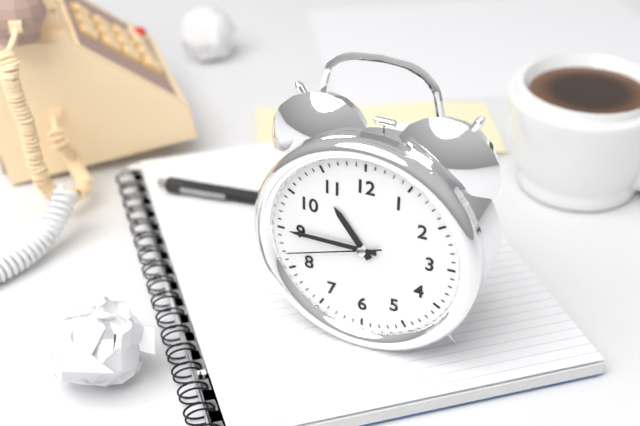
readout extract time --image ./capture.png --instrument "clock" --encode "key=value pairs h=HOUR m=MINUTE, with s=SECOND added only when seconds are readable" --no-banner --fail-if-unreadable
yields h=10 m=45 s=42
